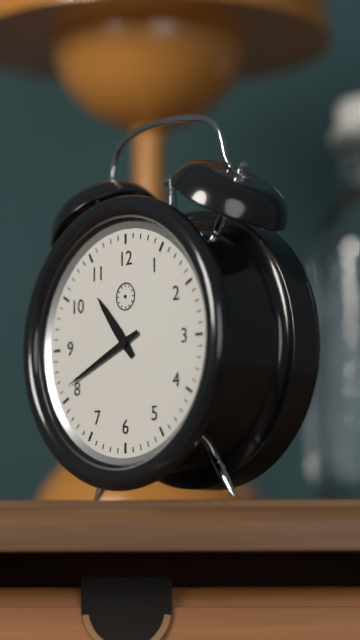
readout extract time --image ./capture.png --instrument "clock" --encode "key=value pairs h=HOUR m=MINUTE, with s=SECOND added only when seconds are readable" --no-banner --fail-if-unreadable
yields h=10 m=41
